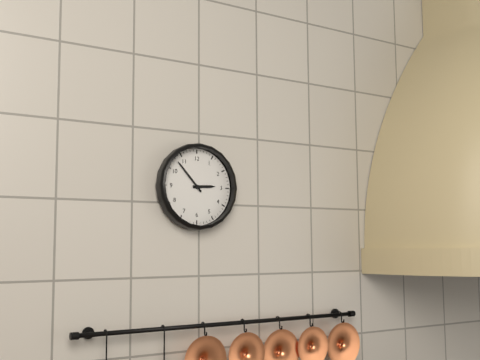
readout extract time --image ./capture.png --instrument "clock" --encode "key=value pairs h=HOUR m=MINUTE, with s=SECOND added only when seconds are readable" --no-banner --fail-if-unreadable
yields h=2 m=53
